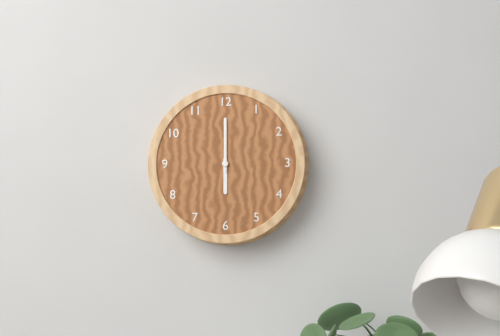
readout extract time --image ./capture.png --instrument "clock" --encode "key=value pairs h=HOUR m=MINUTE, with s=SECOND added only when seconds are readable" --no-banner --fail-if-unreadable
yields h=6 m=0
